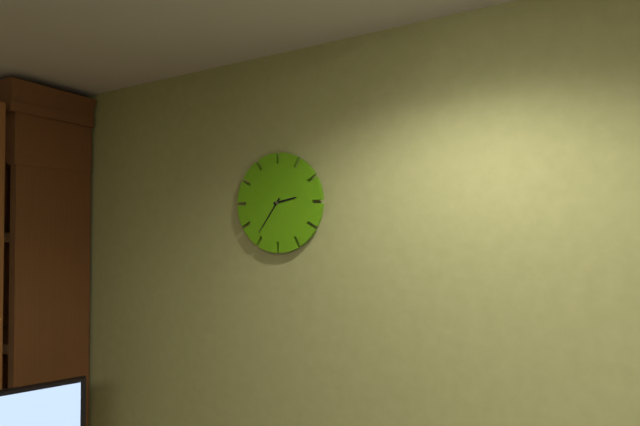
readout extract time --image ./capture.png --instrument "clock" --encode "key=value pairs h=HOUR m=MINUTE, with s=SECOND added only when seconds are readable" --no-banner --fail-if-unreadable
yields h=2 m=36
